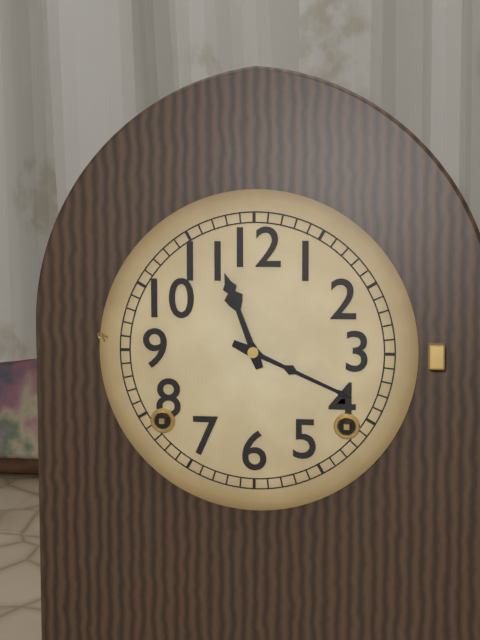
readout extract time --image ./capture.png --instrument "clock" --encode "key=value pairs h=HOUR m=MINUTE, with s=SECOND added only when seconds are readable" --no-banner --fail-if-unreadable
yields h=11 m=19
